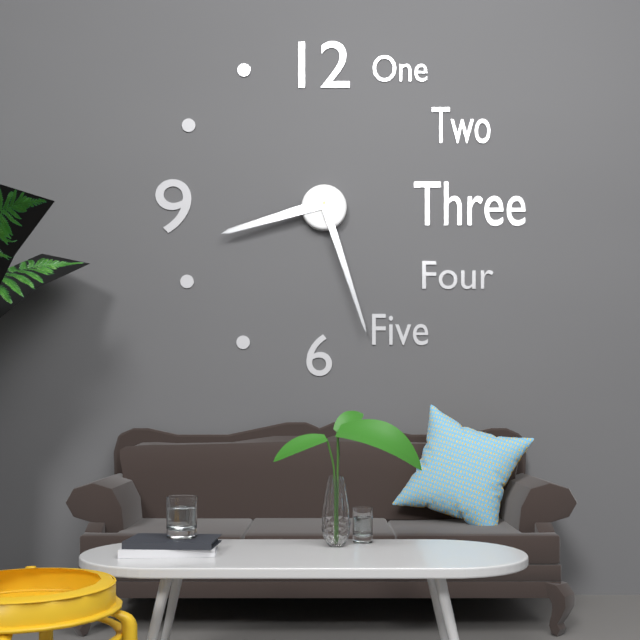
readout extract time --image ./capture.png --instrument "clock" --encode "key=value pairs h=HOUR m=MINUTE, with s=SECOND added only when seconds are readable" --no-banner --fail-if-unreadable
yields h=8 m=27
